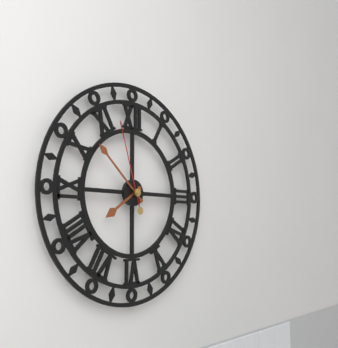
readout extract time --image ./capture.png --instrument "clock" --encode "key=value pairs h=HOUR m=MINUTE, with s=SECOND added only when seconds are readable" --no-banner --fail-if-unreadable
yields h=7 m=52 s=57
